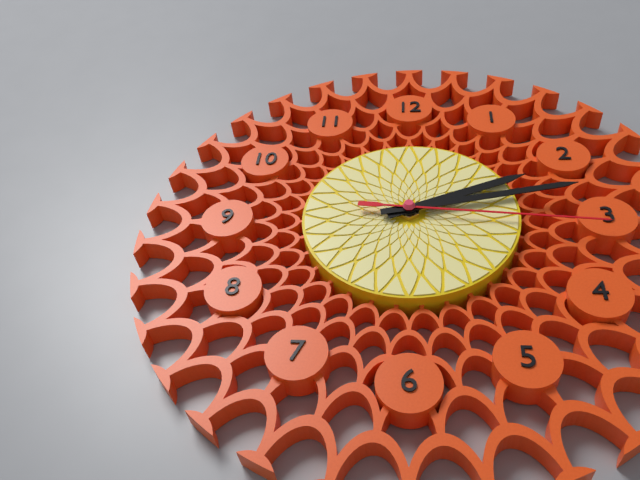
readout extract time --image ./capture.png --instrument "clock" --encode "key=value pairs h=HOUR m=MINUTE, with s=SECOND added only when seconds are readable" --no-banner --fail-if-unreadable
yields h=2 m=13 s=16
